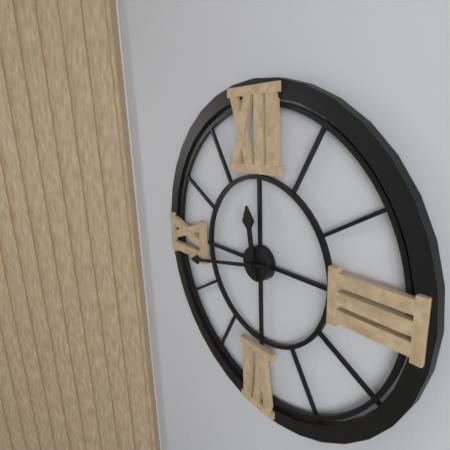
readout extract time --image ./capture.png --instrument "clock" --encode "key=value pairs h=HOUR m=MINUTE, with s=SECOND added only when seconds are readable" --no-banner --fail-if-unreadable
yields h=11 m=43
